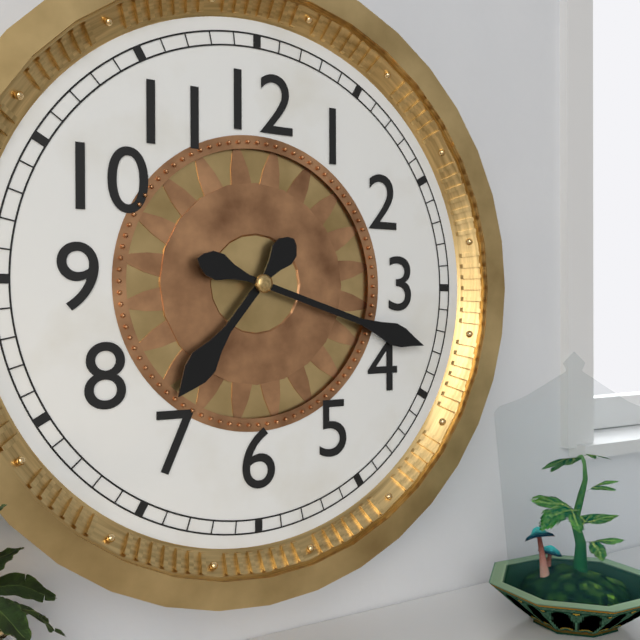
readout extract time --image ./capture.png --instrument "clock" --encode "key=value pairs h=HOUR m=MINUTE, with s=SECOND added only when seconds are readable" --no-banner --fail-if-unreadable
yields h=7 m=18
